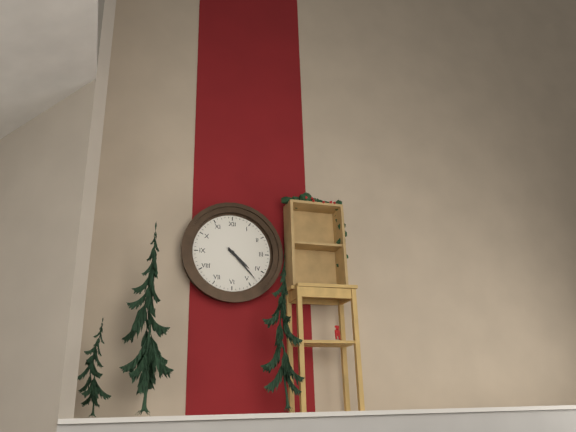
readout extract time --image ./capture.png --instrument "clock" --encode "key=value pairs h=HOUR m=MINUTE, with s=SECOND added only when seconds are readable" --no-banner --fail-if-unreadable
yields h=4 m=23
